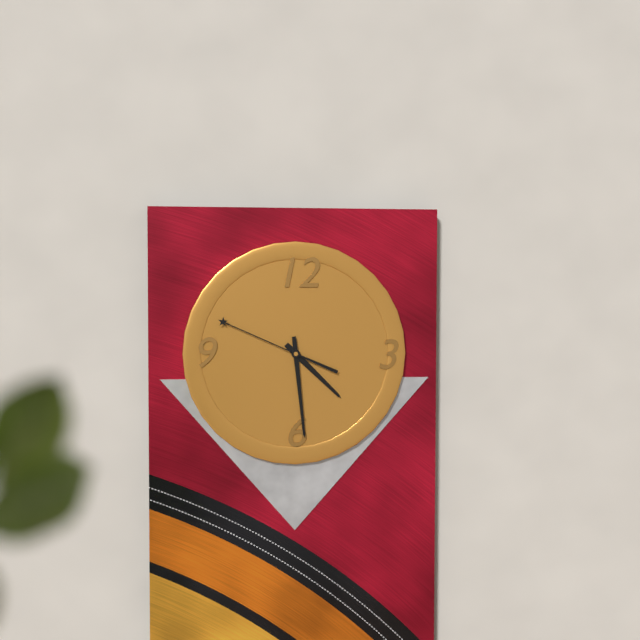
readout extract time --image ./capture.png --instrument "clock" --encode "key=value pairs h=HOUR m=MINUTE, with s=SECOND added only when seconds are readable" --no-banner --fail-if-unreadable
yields h=4 m=29 s=49
